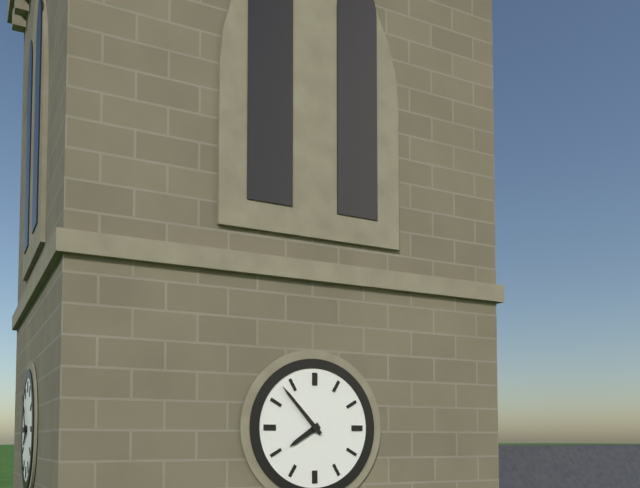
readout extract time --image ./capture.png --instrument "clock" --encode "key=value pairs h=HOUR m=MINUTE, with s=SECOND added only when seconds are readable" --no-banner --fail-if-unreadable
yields h=7 m=53
